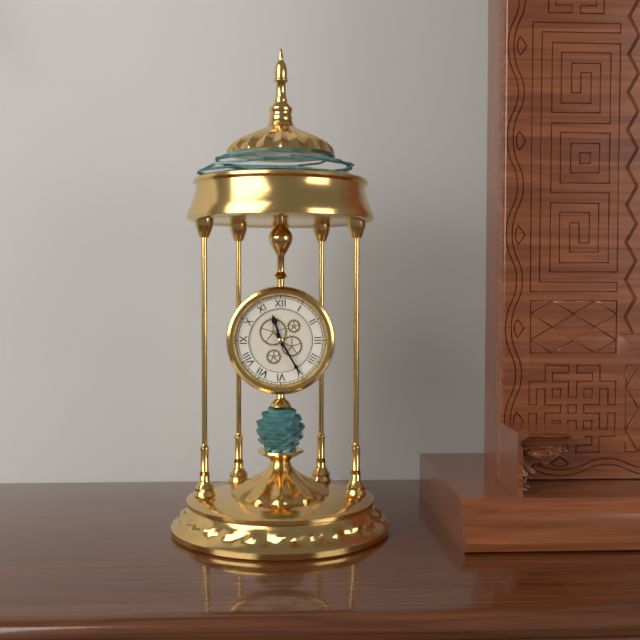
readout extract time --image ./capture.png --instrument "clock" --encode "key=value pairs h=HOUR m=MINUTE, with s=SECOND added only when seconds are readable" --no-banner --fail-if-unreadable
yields h=11 m=25
